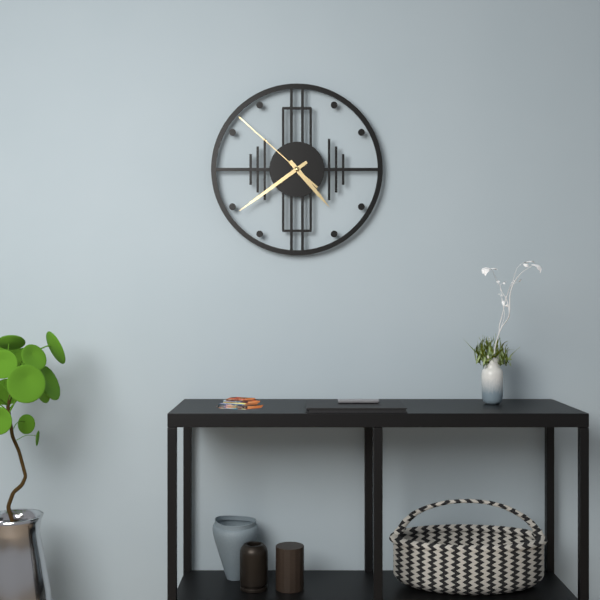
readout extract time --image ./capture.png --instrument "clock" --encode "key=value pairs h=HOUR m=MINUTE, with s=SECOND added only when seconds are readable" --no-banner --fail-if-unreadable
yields h=4 m=39 s=52
